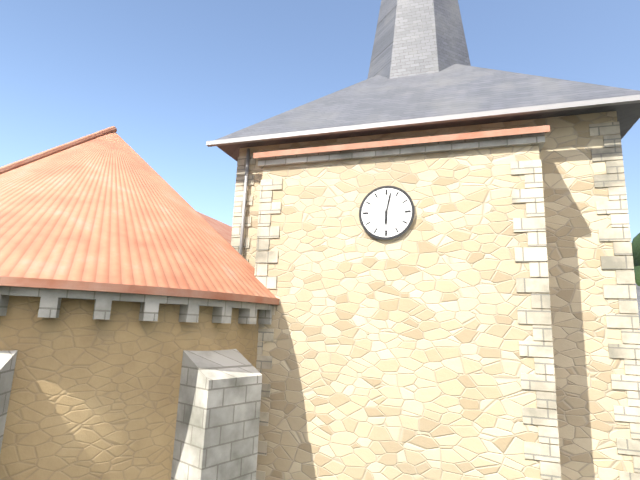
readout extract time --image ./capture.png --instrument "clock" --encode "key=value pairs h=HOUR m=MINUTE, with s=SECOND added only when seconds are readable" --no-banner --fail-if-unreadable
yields h=6 m=2
